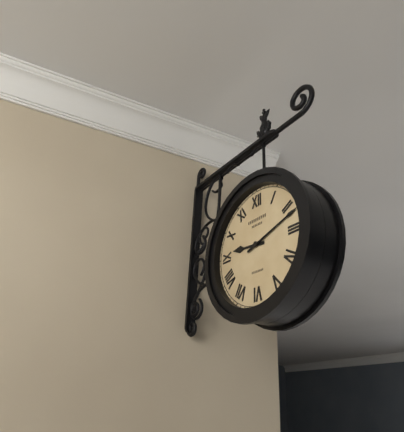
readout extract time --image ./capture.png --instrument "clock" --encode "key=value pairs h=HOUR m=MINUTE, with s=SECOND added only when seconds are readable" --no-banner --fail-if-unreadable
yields h=9 m=12
